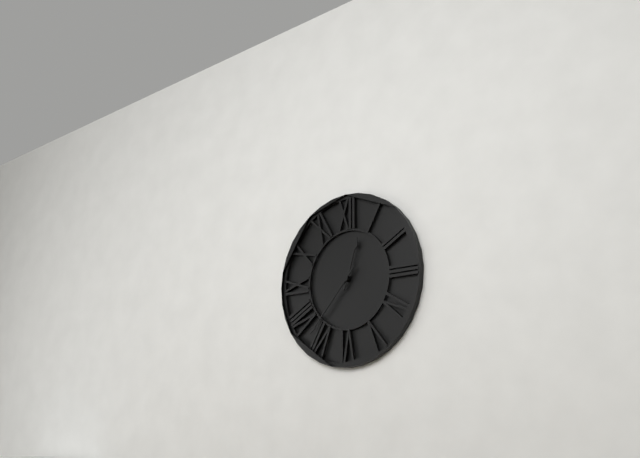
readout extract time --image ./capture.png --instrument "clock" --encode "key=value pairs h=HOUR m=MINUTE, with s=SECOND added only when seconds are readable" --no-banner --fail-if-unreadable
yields h=12 m=37
